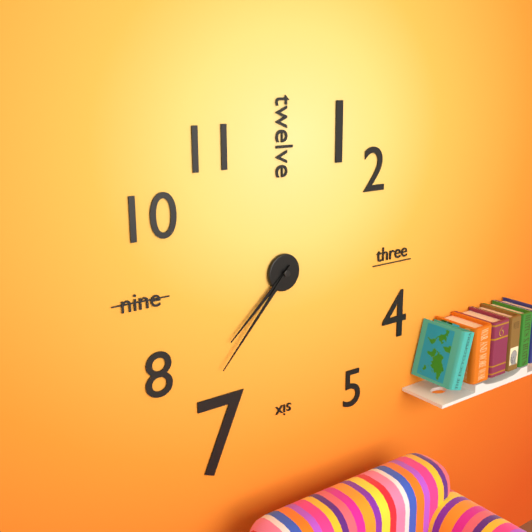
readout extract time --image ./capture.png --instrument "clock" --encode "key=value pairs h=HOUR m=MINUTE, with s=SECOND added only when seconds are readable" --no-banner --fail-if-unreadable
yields h=7 m=37
